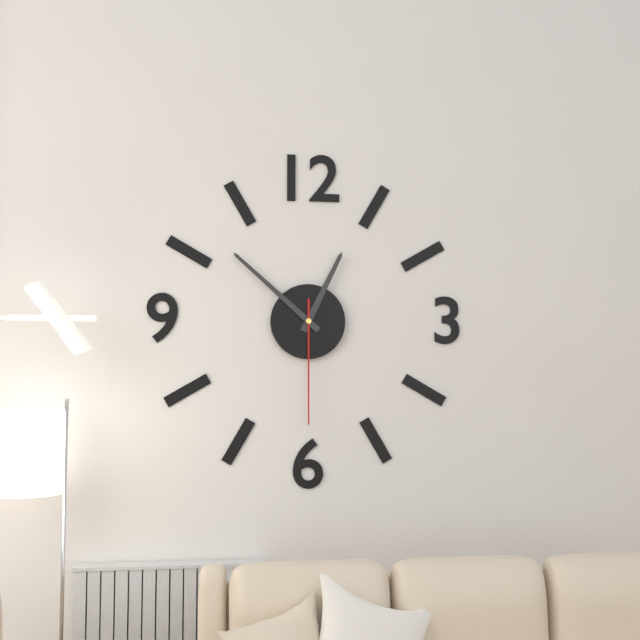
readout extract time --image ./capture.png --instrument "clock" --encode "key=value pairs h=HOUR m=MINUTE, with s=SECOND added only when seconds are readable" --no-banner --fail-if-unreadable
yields h=12 m=52 s=30
